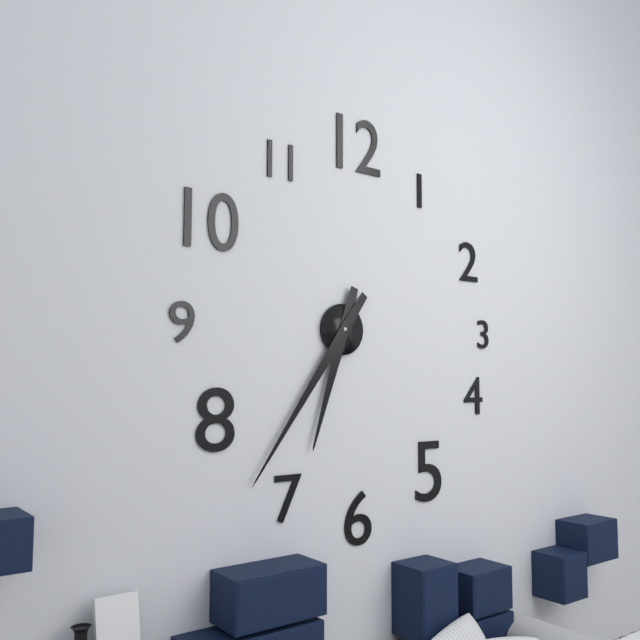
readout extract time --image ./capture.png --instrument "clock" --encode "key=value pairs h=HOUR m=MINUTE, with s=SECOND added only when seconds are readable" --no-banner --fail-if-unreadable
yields h=6 m=36
